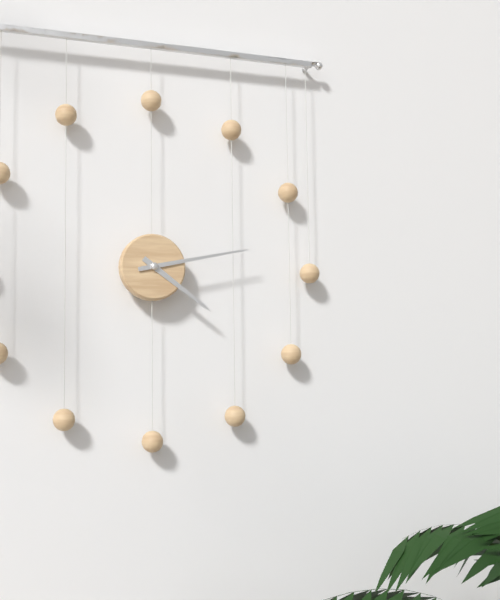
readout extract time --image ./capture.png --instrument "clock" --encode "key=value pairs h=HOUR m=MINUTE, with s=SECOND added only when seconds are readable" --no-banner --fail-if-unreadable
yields h=4 m=13
